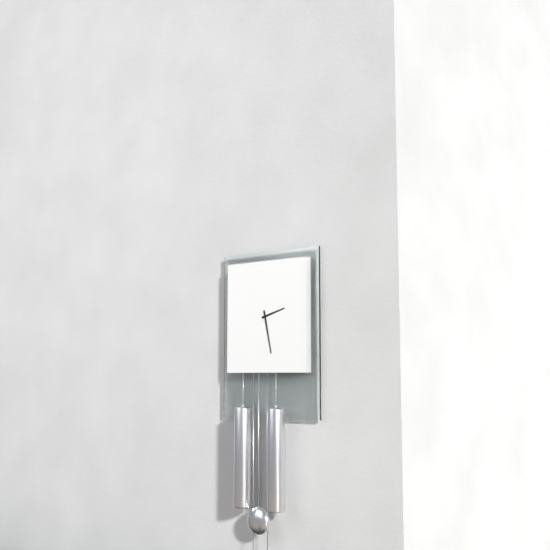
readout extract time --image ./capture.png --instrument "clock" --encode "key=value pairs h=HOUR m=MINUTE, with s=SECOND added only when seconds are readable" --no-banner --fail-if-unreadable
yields h=2 m=28
